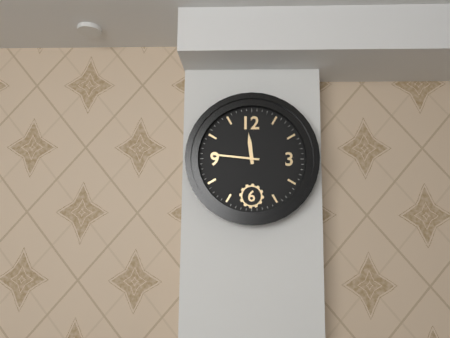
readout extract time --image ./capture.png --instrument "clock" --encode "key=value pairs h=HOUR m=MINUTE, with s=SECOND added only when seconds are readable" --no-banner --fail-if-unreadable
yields h=11 m=46
